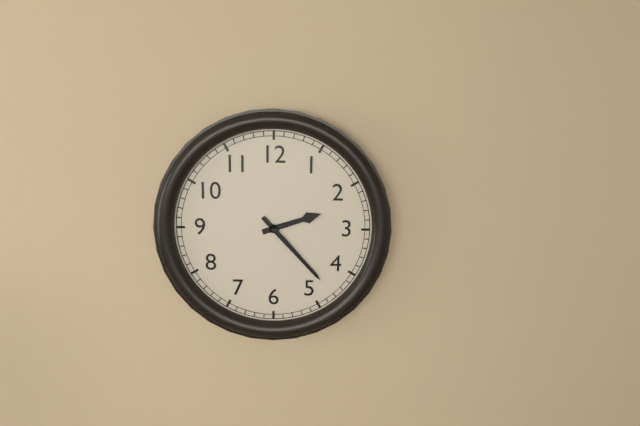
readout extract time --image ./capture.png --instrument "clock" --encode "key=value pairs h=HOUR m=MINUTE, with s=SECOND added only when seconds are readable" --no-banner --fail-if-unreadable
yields h=2 m=23
